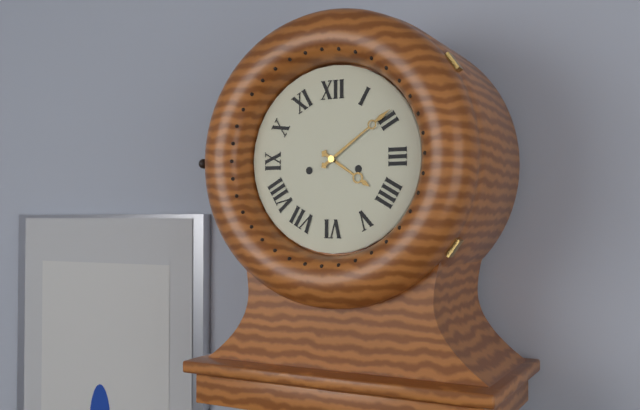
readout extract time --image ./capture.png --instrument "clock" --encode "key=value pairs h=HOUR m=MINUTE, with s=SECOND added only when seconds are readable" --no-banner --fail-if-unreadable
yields h=4 m=9
